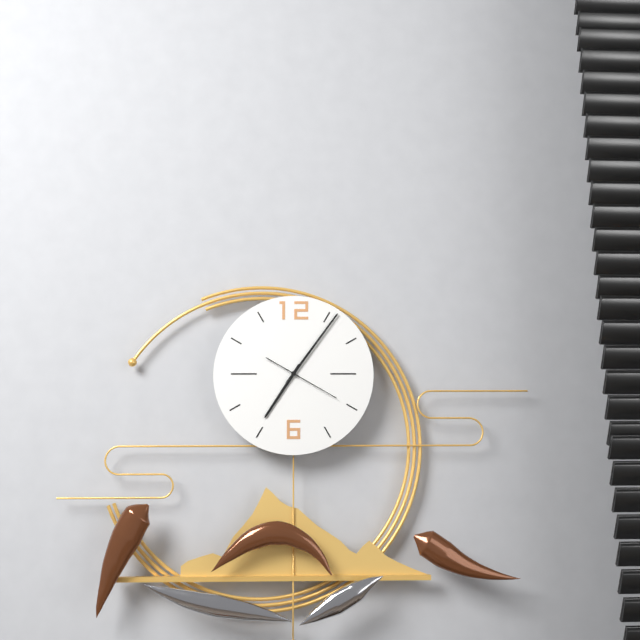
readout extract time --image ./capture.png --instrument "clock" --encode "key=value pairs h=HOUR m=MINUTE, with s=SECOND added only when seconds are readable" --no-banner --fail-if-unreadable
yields h=7 m=6 s=20
